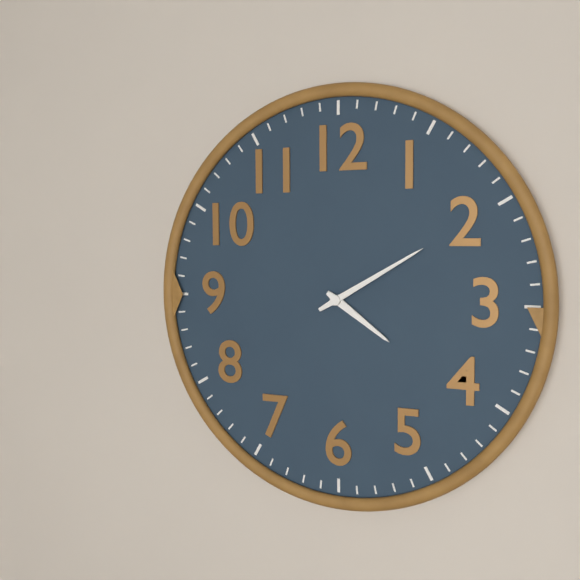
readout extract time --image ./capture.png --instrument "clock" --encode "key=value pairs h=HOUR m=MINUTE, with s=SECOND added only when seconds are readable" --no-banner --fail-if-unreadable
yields h=4 m=10
